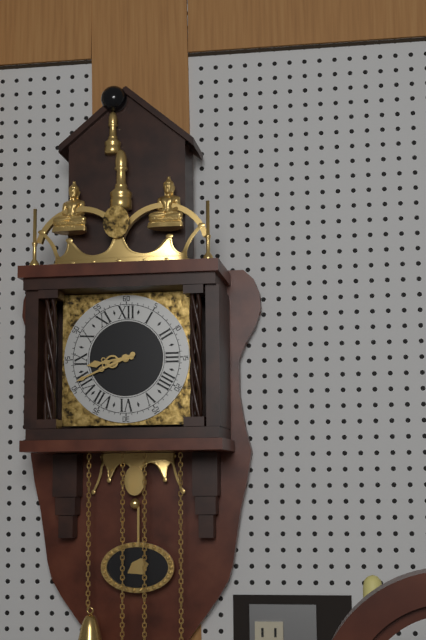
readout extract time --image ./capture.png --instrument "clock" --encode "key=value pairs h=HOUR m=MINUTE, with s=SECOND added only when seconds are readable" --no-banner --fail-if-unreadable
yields h=8 m=41
